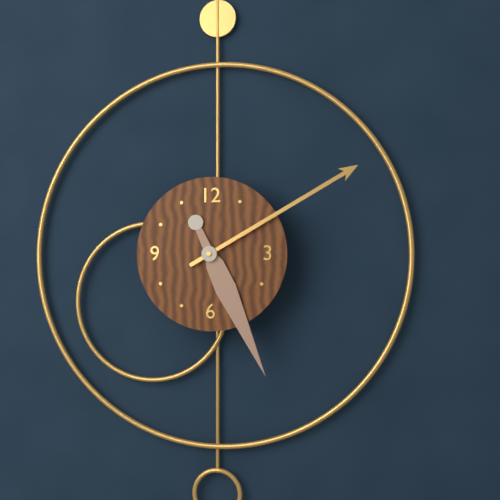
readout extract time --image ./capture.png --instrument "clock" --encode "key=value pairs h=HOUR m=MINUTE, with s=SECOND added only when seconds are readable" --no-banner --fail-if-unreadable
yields h=5 m=10
